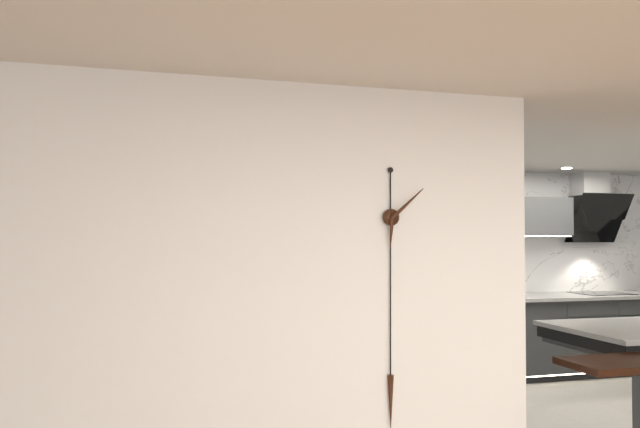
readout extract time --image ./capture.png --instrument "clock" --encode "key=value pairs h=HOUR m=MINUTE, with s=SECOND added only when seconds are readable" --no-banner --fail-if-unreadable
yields h=6 m=8
